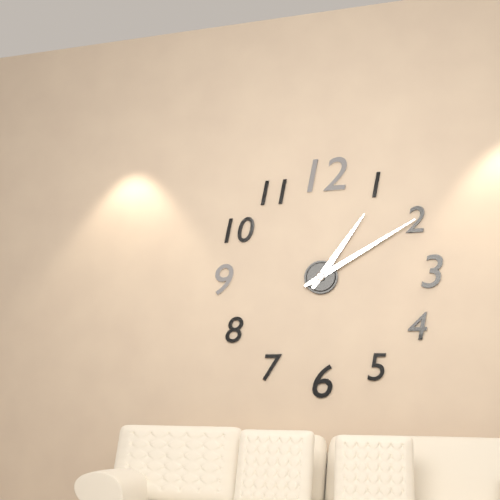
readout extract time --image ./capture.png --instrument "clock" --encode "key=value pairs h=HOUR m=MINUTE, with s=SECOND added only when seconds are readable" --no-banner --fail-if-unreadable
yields h=1 m=10
